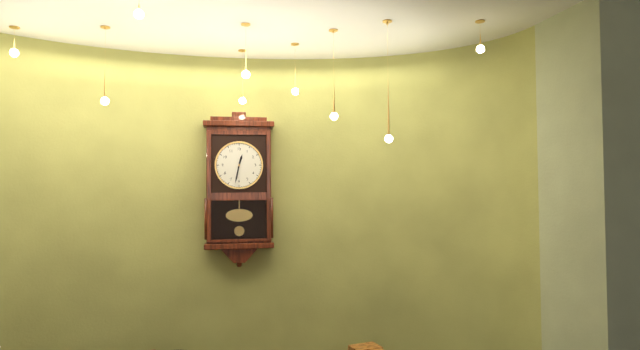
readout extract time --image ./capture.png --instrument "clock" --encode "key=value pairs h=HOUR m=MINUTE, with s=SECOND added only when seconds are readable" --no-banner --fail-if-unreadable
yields h=12 m=32
